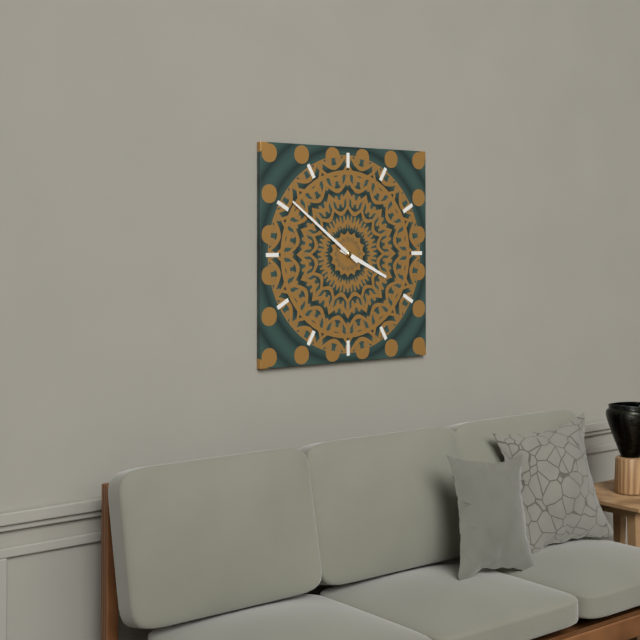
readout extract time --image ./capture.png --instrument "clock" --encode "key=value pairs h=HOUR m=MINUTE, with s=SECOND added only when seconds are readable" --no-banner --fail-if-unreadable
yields h=3 m=51
